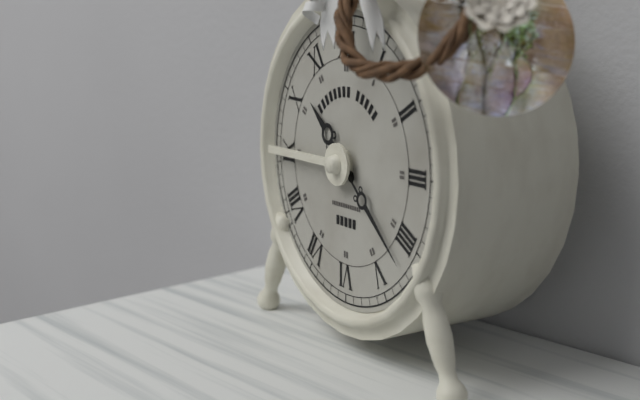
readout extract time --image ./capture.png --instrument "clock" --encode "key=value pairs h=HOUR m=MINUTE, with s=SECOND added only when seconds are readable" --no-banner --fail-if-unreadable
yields h=10 m=22
